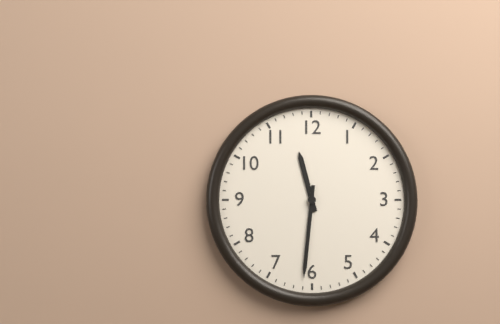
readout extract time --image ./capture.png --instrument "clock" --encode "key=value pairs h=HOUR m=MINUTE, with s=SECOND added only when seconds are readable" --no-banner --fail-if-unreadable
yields h=11 m=31
